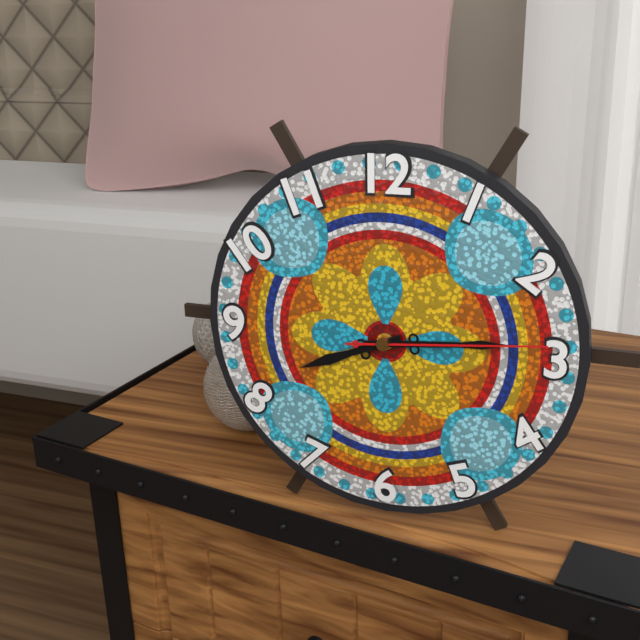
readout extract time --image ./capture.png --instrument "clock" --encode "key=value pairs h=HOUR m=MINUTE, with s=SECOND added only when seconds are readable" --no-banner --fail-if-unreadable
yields h=8 m=14 s=14
